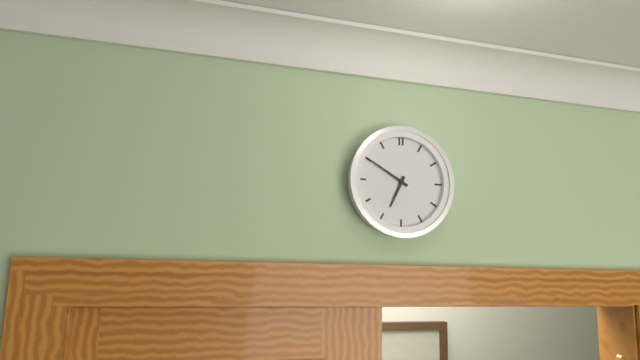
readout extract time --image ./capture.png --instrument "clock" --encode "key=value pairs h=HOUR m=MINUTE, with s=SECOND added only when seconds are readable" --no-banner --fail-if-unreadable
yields h=6 m=50
